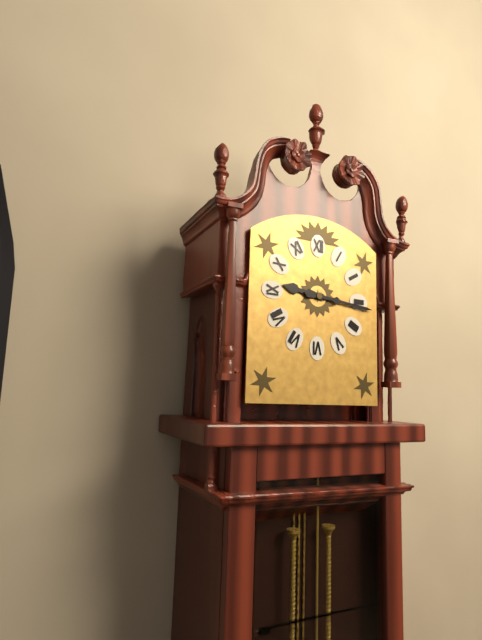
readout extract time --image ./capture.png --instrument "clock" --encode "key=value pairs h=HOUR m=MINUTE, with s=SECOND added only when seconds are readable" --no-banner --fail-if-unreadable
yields h=9 m=16
